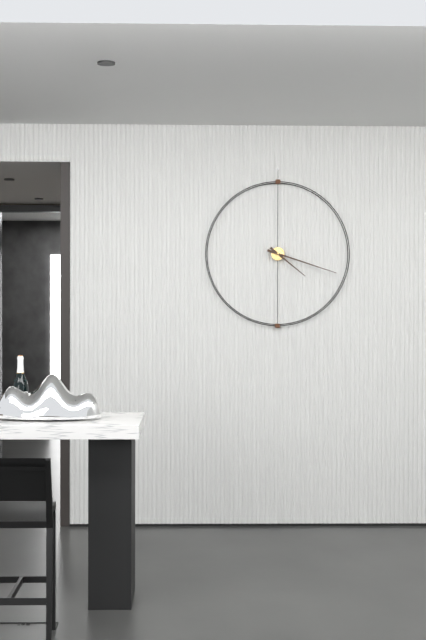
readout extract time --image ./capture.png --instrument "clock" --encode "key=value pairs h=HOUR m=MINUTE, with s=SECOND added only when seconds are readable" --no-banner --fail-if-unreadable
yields h=4 m=18
